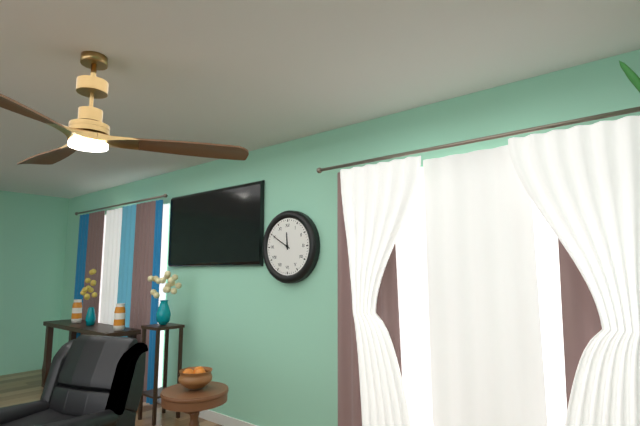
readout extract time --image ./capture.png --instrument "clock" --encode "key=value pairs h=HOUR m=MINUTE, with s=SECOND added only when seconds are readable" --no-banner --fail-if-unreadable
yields h=11 m=50
